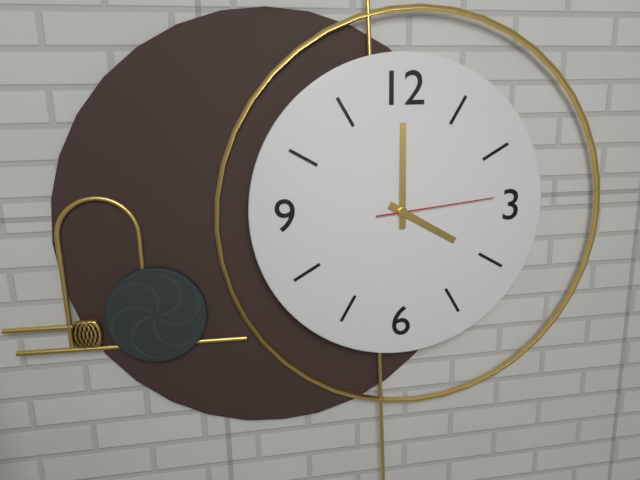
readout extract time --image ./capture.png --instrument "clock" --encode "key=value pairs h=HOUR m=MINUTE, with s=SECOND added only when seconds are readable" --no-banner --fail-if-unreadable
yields h=4 m=0 s=14
